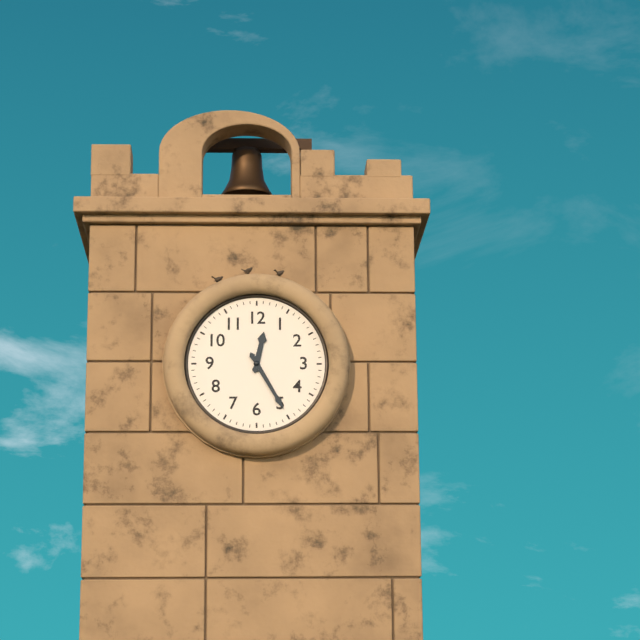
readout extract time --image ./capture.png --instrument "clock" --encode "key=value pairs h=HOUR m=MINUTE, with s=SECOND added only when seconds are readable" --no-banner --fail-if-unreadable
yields h=12 m=25
